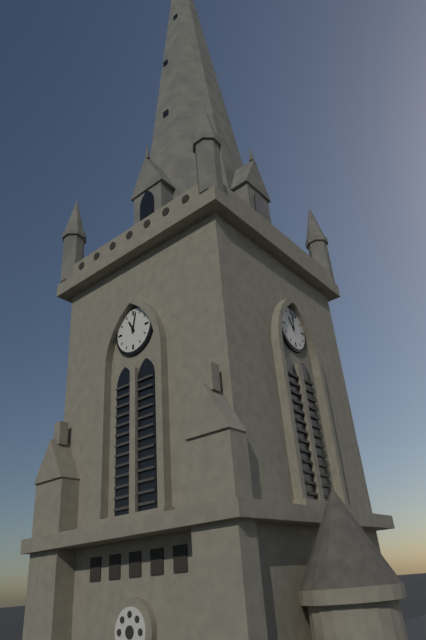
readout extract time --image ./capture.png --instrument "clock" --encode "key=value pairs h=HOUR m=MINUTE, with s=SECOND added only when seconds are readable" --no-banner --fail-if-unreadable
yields h=11 m=2
